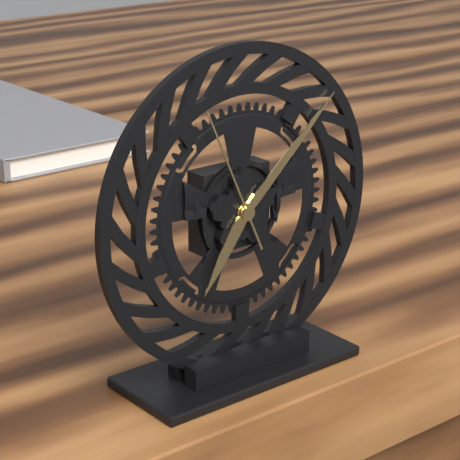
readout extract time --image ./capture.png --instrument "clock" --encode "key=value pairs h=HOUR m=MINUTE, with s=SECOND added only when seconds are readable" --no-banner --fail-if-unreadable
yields h=7 m=8 s=56
